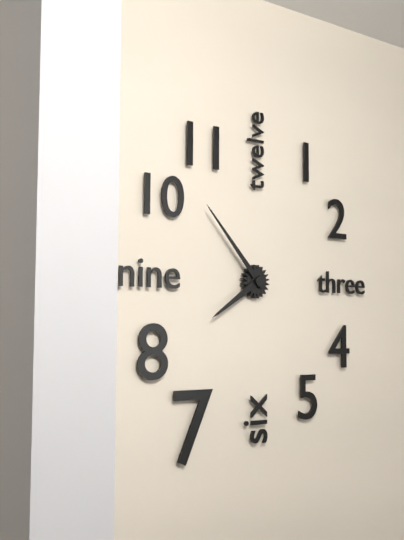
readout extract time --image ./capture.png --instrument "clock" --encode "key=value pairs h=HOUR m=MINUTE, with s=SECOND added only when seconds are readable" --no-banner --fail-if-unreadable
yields h=7 m=53
